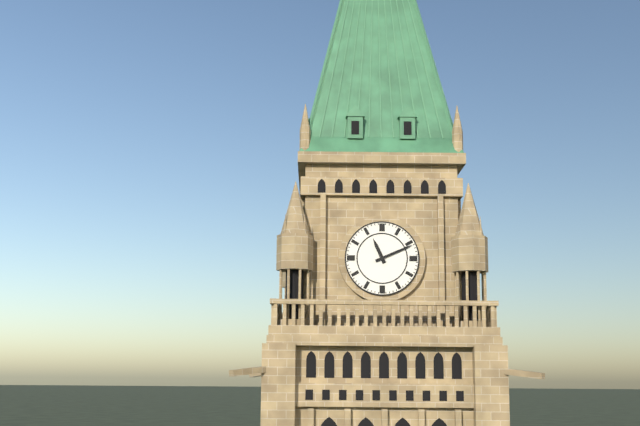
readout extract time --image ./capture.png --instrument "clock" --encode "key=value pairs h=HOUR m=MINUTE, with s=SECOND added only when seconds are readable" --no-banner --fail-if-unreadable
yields h=11 m=11
